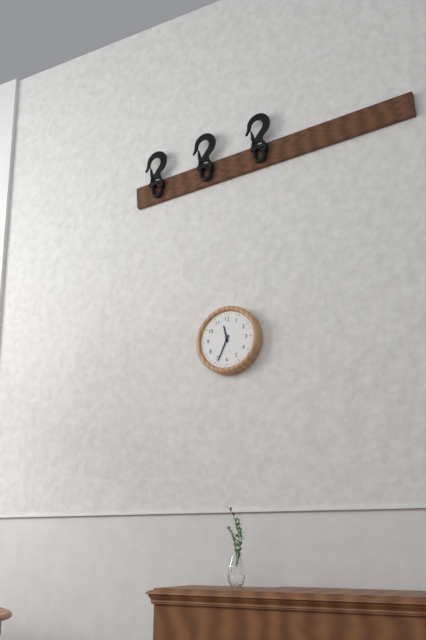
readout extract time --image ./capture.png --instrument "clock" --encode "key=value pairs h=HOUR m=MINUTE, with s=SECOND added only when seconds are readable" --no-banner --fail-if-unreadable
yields h=11 m=34
